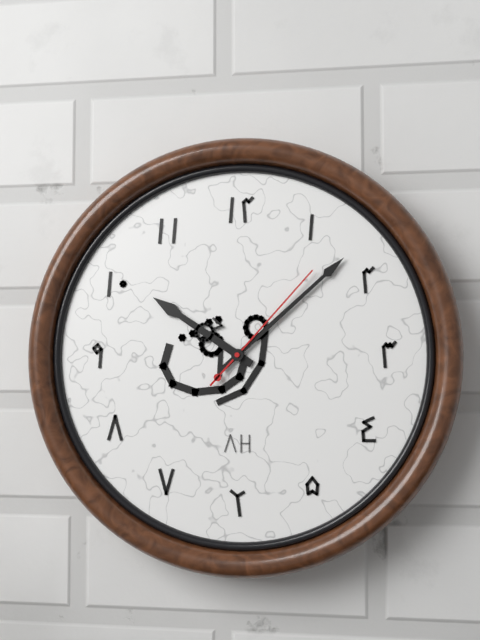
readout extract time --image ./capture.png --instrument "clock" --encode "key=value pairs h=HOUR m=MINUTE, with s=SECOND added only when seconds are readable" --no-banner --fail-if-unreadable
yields h=10 m=8 s=7
